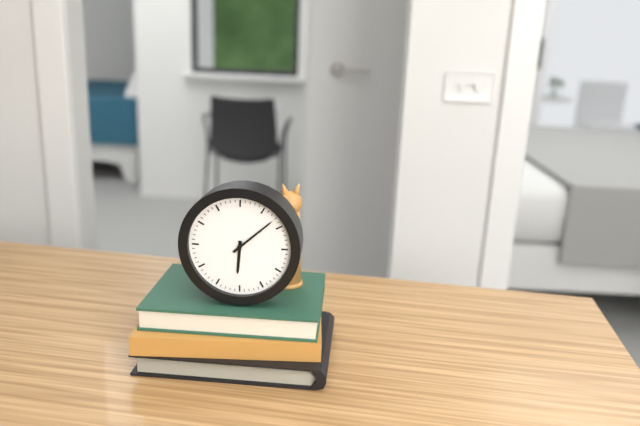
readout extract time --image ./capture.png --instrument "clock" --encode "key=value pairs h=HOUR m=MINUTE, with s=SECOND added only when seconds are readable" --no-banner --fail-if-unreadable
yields h=6 m=8
